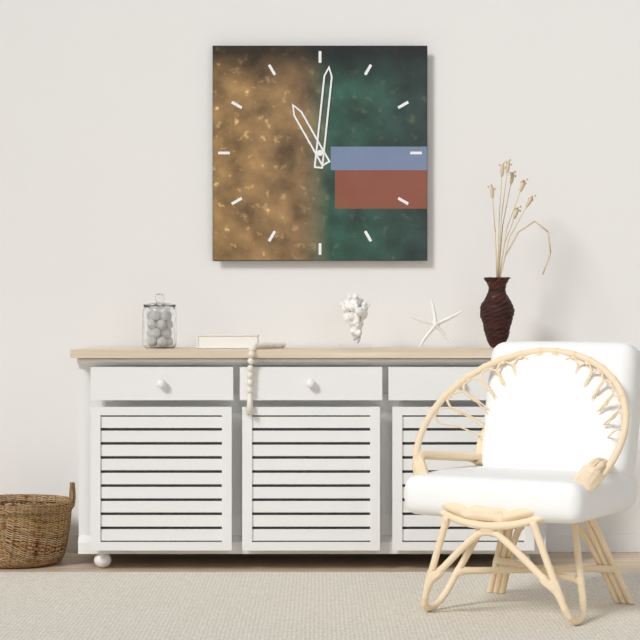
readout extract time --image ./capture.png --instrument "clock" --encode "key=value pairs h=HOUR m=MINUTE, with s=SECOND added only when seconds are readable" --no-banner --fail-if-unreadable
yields h=11 m=1
